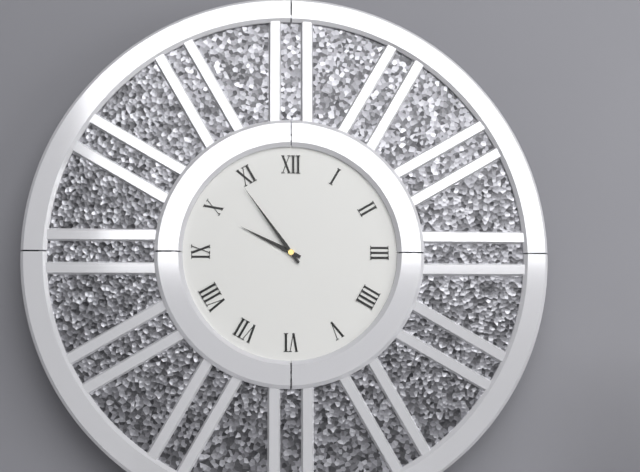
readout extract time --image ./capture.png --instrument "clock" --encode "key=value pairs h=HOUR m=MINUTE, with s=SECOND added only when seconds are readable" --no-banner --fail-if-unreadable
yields h=9 m=54
